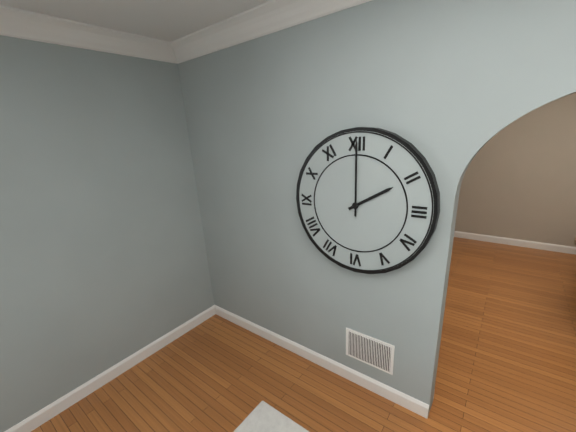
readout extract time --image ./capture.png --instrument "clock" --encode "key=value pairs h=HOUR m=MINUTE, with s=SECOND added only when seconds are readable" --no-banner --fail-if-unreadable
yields h=2 m=0
